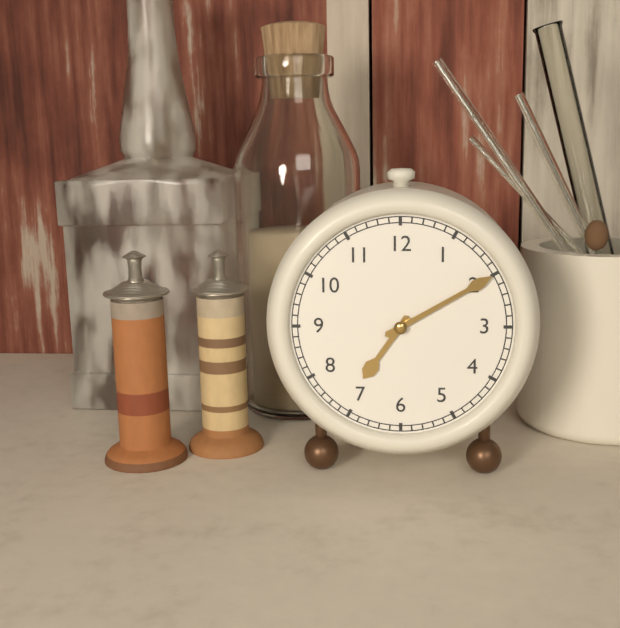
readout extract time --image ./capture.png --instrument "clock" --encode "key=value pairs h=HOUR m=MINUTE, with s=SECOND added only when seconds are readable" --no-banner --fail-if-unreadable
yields h=7 m=10
